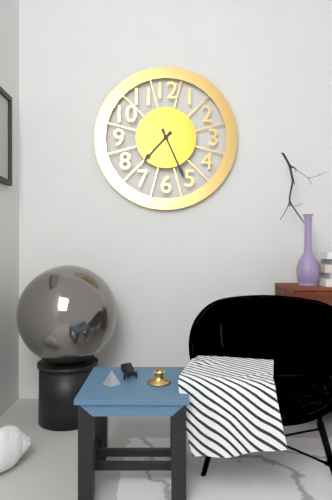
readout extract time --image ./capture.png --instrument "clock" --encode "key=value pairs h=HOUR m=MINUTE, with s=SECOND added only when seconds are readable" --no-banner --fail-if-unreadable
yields h=7 m=26
